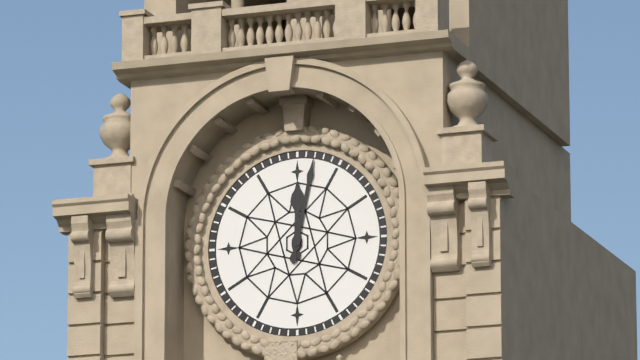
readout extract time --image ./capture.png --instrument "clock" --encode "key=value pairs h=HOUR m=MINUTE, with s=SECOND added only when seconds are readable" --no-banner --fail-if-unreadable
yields h=12 m=2
